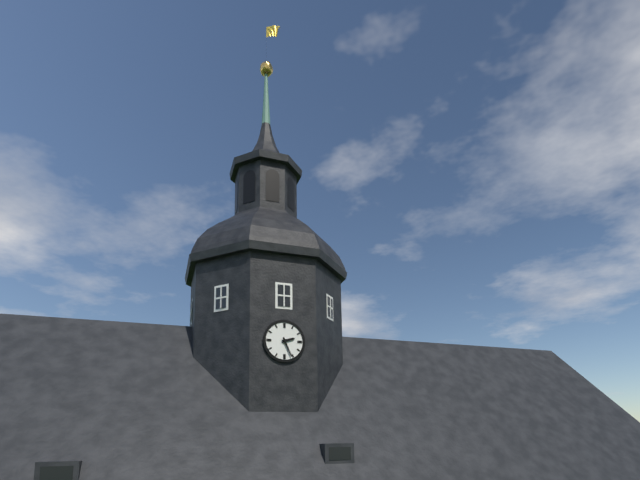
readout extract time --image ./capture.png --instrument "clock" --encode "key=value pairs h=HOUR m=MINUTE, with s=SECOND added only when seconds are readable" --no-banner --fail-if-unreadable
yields h=2 m=26
